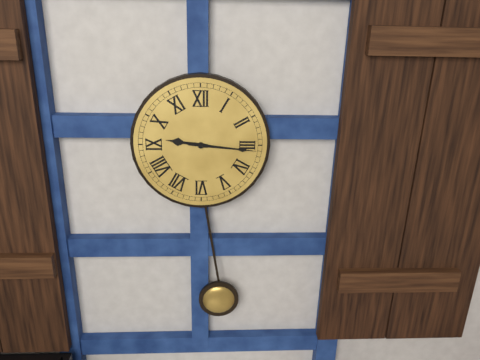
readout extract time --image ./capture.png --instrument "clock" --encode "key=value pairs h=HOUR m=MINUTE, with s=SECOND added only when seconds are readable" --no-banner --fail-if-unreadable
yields h=9 m=16
